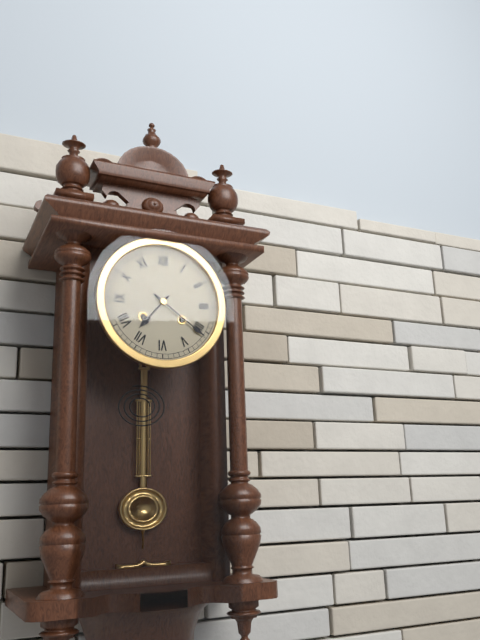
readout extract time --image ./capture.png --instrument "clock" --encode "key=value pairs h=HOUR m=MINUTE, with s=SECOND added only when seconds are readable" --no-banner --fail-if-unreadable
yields h=7 m=21
